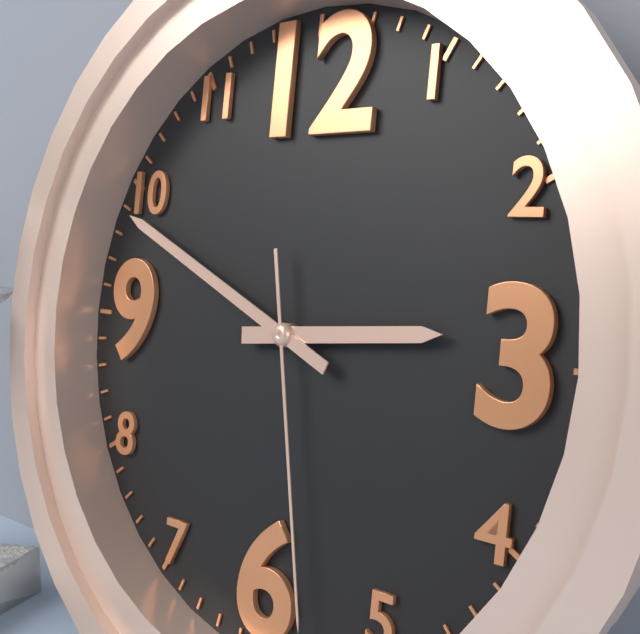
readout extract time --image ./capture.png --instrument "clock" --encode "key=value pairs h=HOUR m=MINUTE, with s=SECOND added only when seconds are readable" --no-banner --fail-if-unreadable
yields h=2 m=49 s=28
